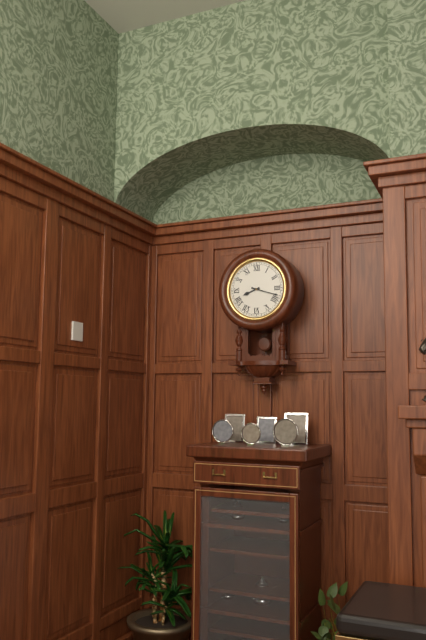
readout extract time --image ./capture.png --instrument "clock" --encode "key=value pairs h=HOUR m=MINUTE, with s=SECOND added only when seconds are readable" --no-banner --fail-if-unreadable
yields h=8 m=18
